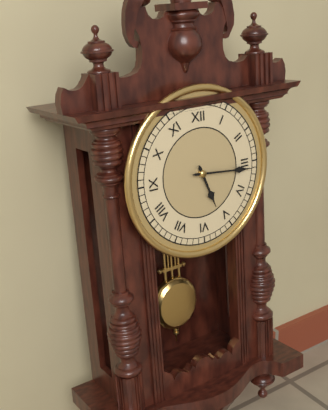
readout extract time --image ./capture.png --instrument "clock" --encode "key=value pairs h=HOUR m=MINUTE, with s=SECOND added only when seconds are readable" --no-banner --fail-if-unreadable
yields h=5 m=16
